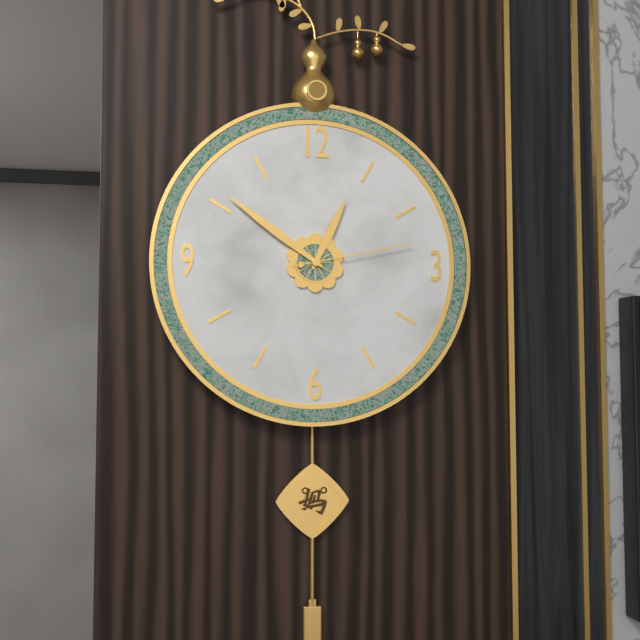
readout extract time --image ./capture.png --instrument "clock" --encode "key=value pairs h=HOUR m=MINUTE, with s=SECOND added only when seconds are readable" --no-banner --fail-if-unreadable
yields h=12 m=51 s=13
